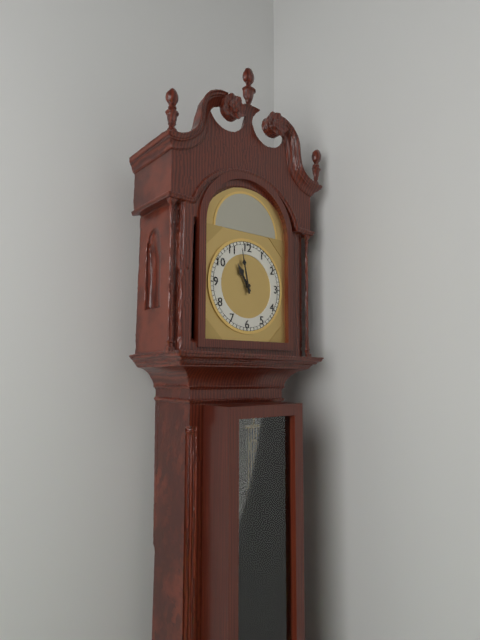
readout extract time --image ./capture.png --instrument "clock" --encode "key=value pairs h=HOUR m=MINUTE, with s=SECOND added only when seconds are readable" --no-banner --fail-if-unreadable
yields h=10 m=58
